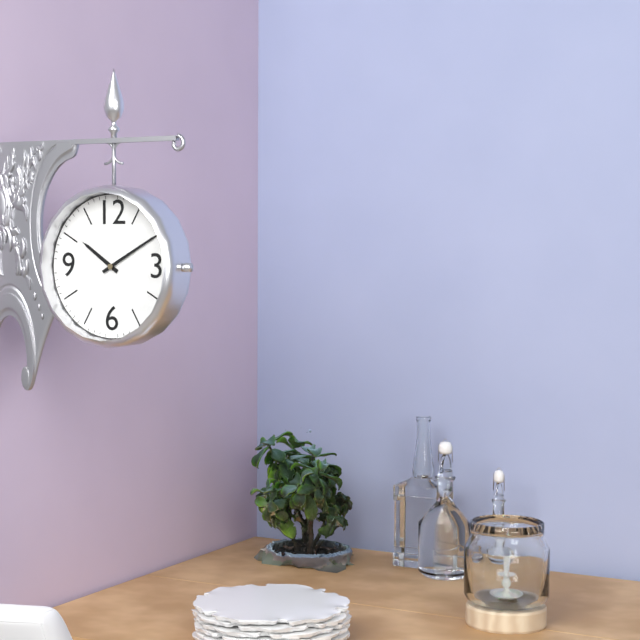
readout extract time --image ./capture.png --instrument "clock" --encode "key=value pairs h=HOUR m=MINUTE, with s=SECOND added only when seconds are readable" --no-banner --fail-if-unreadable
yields h=10 m=10
